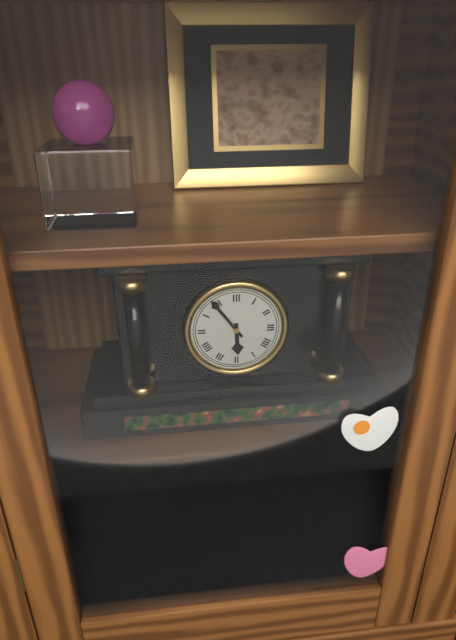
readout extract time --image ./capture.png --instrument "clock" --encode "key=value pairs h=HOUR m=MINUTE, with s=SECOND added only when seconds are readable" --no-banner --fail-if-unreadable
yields h=5 m=54
